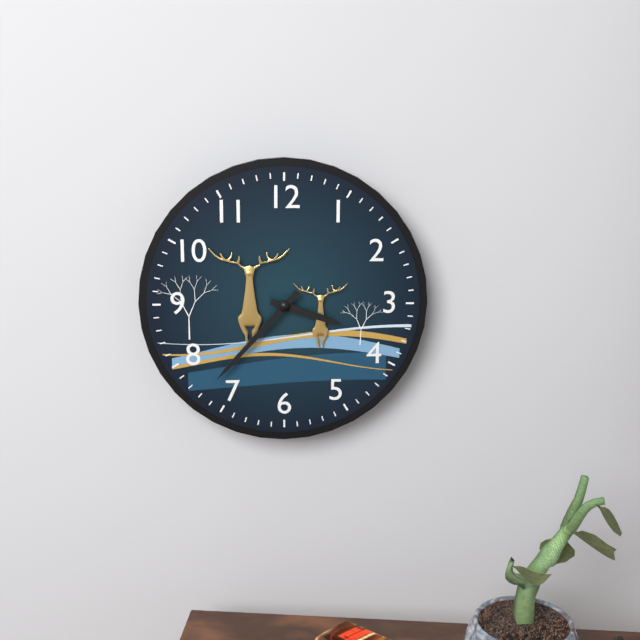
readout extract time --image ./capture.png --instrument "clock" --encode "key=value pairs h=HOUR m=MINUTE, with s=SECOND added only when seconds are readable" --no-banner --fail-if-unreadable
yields h=3 m=37
